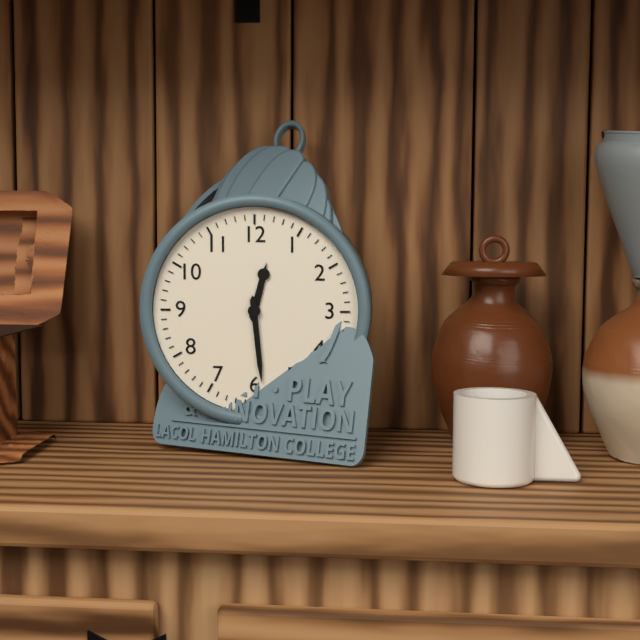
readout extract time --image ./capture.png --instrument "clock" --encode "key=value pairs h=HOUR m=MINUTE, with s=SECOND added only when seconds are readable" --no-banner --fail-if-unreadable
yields h=12 m=29
